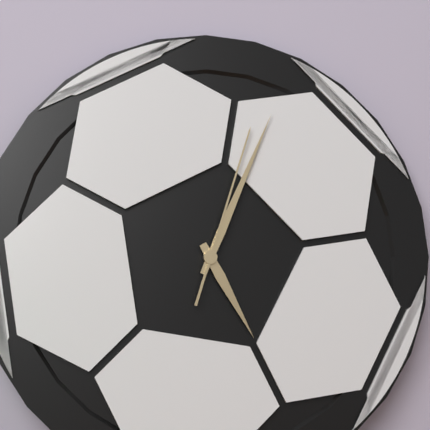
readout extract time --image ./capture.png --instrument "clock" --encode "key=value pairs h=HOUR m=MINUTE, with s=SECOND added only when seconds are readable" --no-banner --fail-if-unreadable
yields h=5 m=4 s=3
